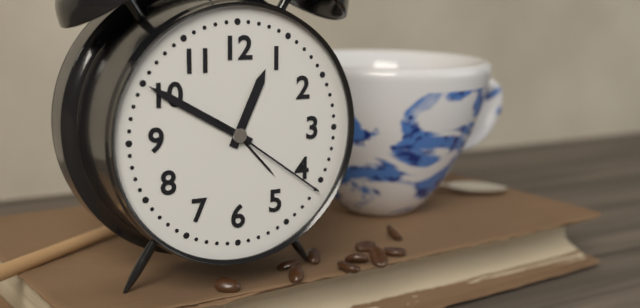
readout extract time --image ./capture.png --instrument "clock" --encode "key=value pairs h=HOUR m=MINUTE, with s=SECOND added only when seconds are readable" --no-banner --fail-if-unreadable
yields h=12 m=50 s=21
